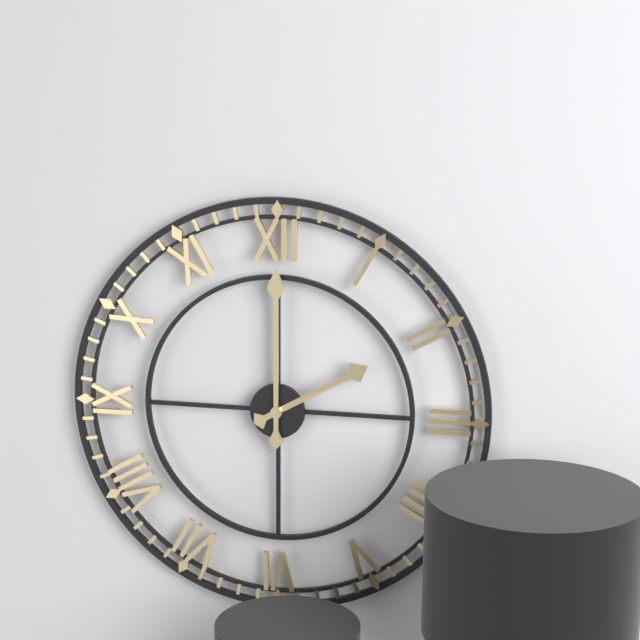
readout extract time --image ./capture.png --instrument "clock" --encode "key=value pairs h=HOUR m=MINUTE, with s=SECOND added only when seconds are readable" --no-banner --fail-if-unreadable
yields h=2 m=0
